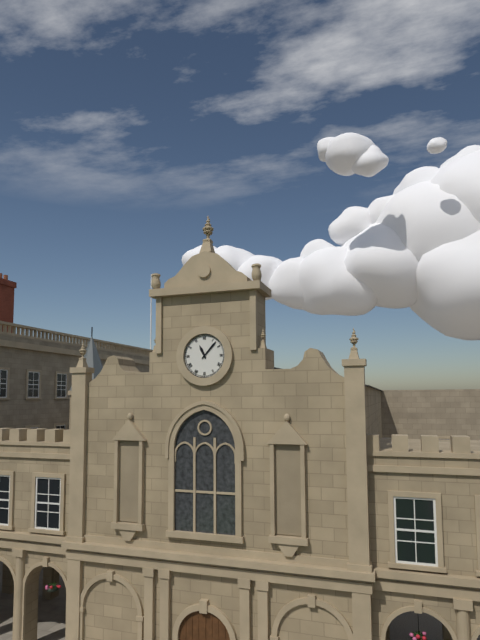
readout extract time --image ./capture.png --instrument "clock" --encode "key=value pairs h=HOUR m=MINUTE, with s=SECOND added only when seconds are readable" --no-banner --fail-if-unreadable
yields h=11 m=7
